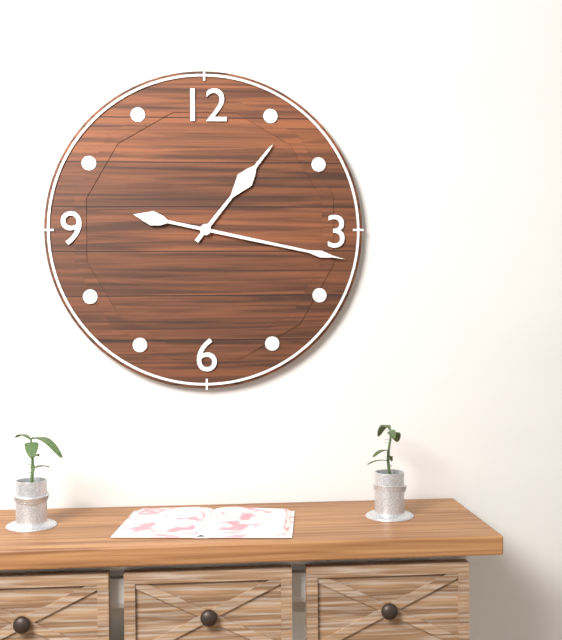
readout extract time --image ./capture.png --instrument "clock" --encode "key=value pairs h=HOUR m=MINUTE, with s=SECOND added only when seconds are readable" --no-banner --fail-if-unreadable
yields h=1 m=17
